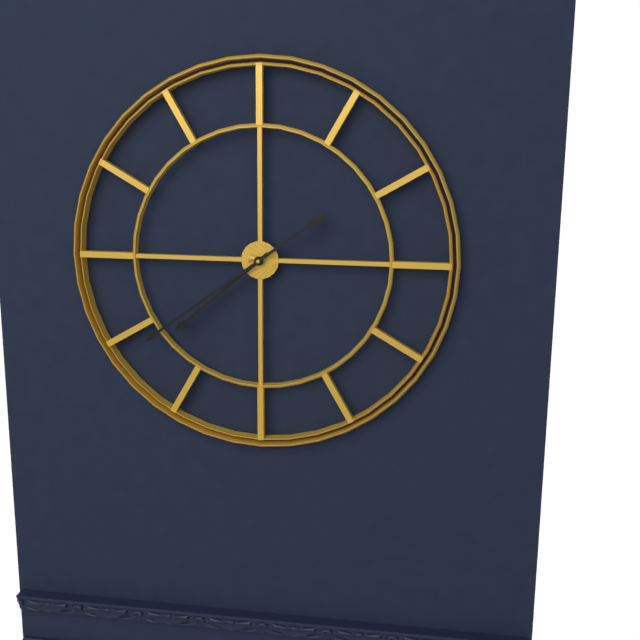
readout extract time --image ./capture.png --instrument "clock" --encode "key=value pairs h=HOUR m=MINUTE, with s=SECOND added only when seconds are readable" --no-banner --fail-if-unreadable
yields h=7 m=39
